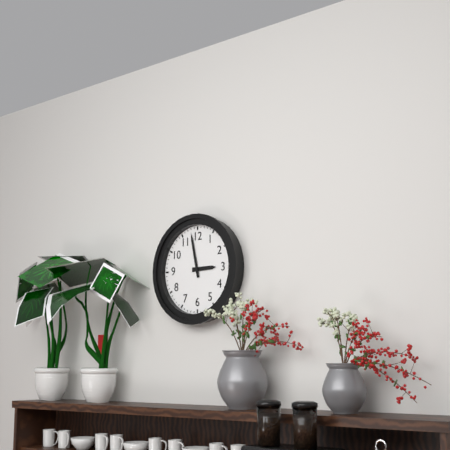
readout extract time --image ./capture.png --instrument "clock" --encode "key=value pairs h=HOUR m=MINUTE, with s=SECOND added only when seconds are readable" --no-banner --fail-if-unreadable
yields h=2 m=58
